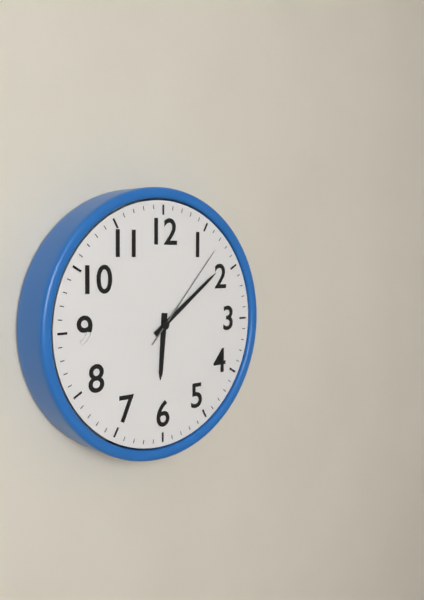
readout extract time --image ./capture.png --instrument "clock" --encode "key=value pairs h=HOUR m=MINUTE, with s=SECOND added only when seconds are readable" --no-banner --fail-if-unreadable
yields h=6 m=9 s=7
